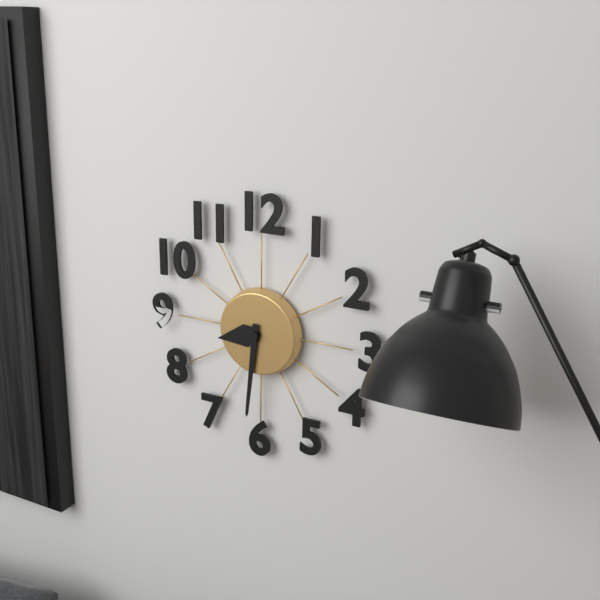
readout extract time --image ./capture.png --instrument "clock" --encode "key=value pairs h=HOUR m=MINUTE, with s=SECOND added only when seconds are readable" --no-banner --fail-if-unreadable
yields h=8 m=31
